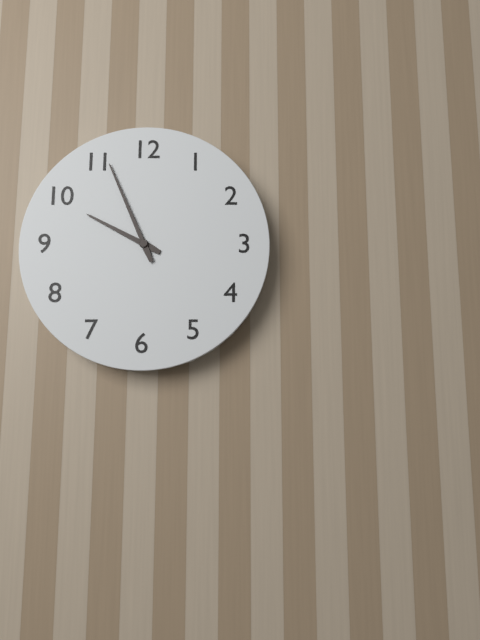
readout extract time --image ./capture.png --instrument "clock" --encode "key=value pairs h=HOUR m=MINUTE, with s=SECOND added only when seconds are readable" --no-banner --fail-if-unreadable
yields h=9 m=56
